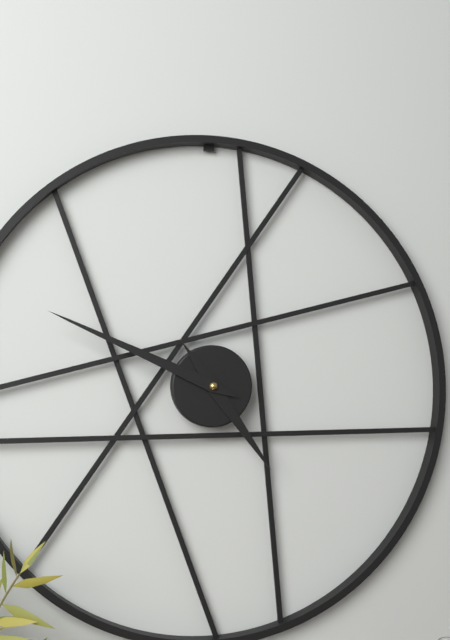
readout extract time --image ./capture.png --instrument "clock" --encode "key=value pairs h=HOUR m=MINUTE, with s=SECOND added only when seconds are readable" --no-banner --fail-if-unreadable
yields h=4 m=49
